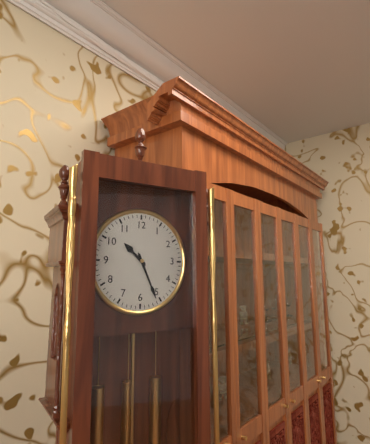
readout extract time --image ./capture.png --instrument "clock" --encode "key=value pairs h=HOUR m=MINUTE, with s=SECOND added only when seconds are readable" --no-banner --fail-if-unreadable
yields h=10 m=26
